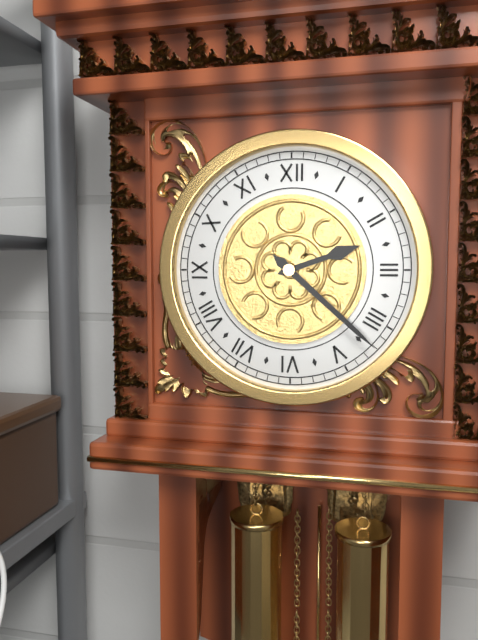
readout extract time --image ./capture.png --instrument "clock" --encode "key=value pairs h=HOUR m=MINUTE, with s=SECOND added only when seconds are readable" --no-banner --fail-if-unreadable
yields h=2 m=22
